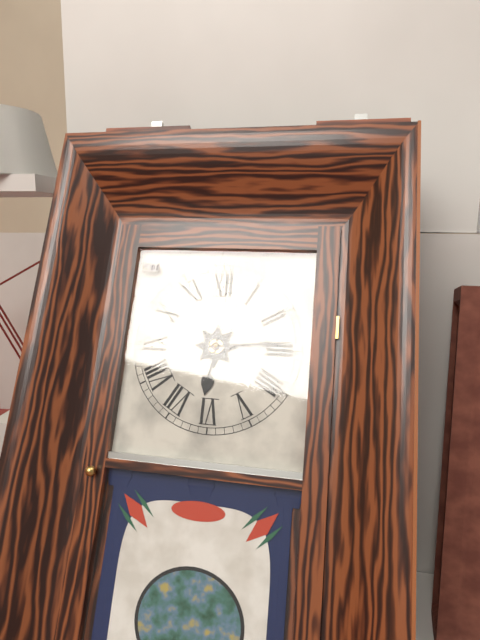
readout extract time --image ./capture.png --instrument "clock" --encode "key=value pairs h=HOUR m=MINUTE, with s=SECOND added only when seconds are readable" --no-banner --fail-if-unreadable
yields h=6 m=14
